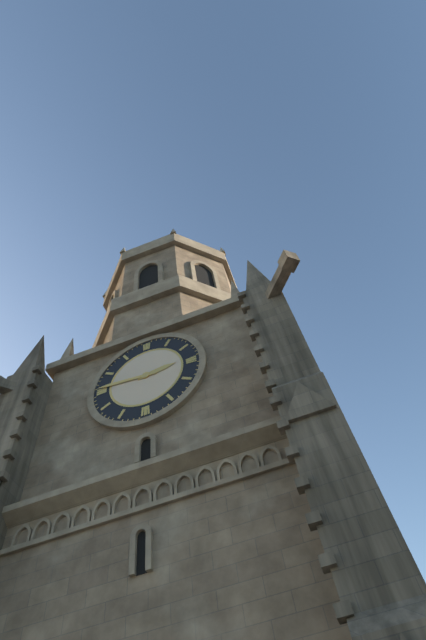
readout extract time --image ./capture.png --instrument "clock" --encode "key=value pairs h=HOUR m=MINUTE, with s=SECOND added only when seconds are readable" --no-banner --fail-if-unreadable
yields h=2 m=46
